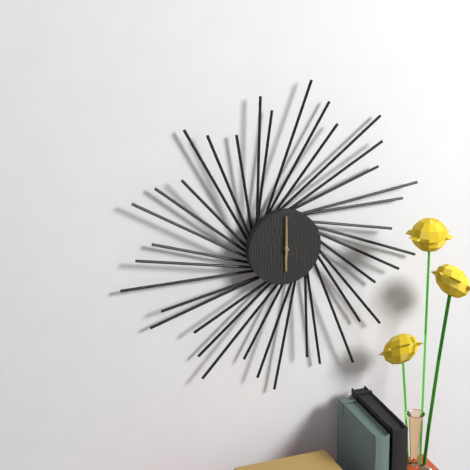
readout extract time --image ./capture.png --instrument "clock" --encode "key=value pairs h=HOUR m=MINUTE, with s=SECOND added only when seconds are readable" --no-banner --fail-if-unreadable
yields h=6 m=0
